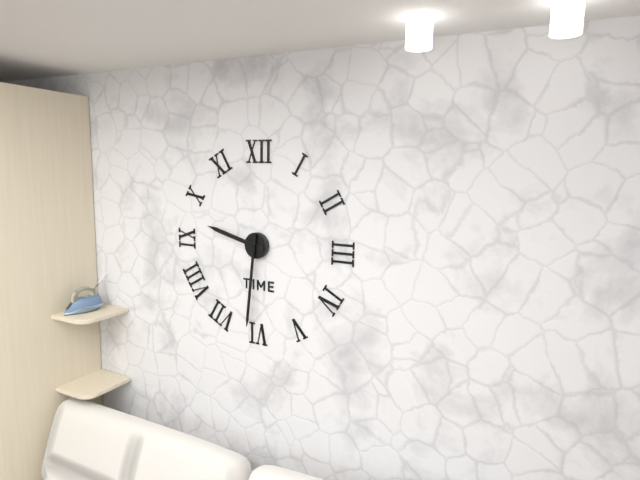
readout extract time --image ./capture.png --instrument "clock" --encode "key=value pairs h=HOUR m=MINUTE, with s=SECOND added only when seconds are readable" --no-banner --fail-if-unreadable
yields h=9 m=31
